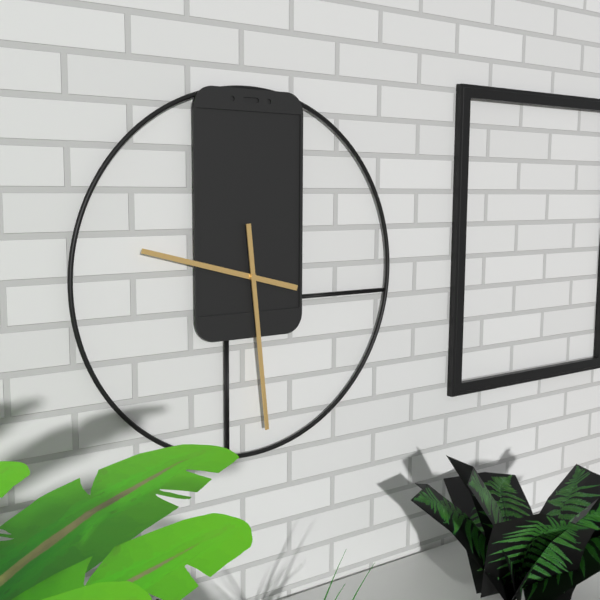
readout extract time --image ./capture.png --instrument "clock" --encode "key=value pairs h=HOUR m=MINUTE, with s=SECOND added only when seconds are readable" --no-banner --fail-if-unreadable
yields h=9 m=29
